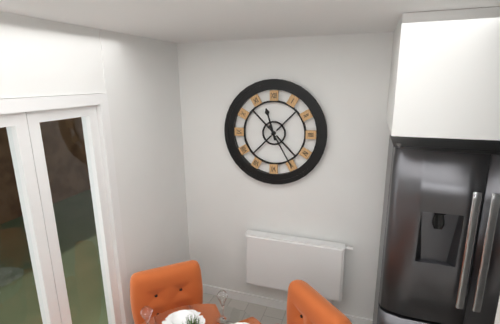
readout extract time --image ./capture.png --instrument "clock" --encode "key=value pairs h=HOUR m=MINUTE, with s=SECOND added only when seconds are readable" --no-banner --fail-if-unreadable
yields h=11 m=25
